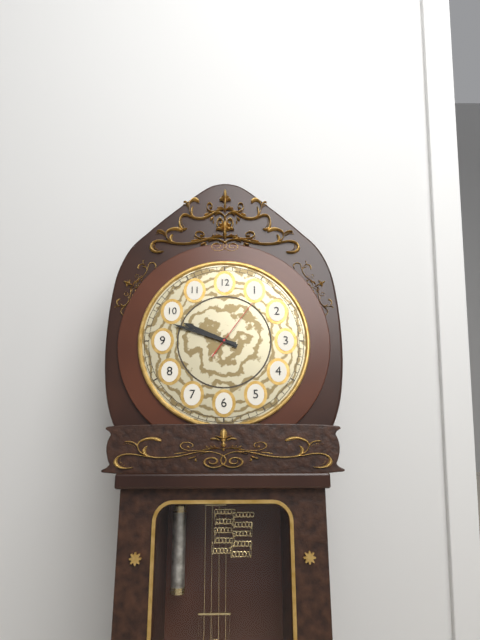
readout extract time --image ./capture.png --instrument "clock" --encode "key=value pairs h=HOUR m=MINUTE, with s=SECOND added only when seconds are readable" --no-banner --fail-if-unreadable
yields h=9 m=48 s=6
